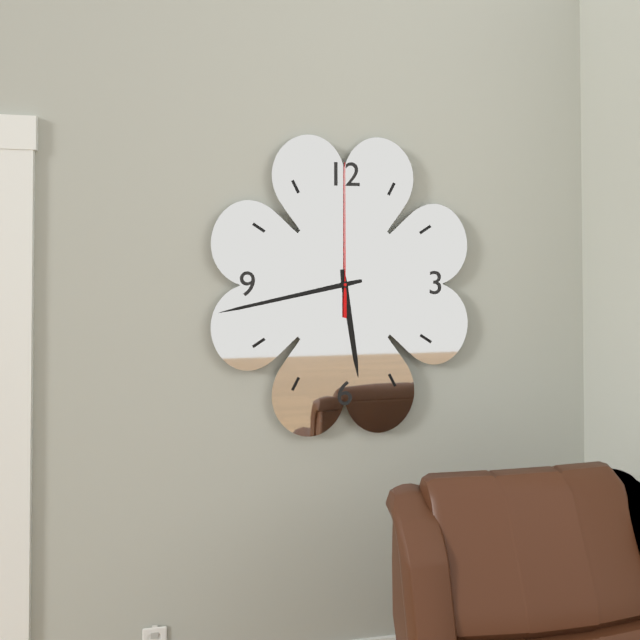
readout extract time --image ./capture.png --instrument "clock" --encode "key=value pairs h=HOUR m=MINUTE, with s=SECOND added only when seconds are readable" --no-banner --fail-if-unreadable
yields h=5 m=43 s=0
